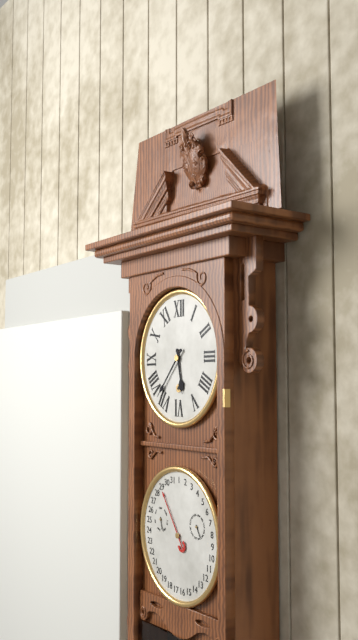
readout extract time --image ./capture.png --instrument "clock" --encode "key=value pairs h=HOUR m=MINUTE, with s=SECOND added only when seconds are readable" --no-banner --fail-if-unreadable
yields h=5 m=37
